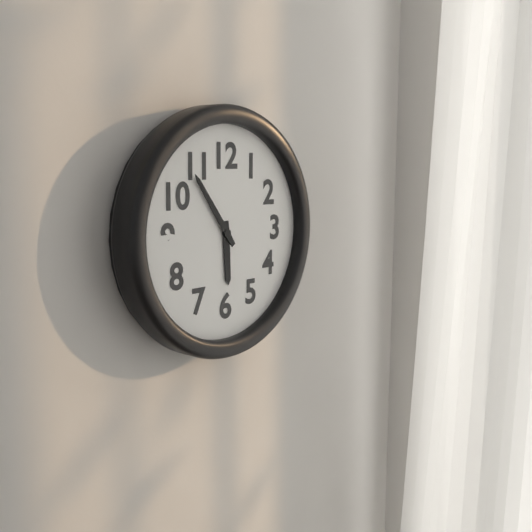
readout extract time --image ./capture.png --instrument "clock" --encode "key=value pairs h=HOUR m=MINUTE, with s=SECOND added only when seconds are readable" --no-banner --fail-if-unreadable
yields h=5 m=54
